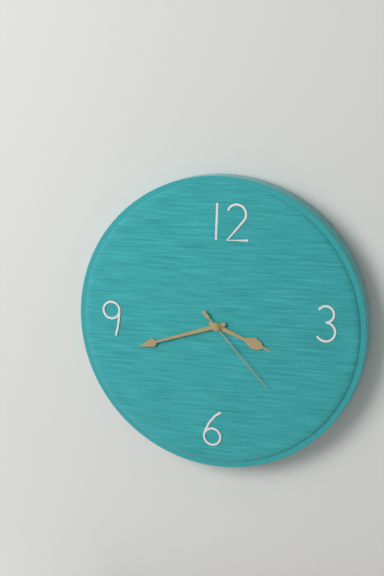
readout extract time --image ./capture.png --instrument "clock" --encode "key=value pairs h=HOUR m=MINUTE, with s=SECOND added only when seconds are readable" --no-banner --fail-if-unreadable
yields h=3 m=42 s=23
